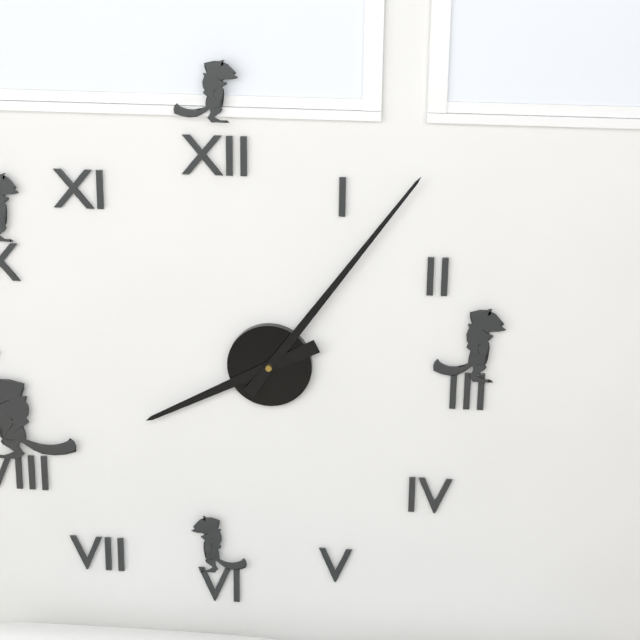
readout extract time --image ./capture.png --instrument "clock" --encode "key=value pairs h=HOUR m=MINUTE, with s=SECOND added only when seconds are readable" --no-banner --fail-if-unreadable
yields h=8 m=6
